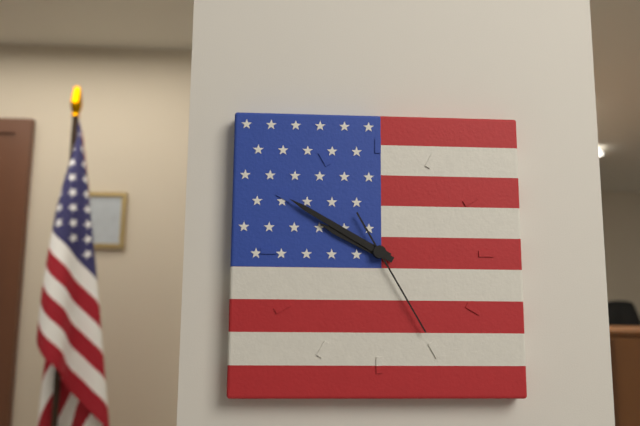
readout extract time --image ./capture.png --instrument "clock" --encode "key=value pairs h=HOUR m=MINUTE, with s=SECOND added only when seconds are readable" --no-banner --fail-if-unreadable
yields h=9 m=50 s=25
